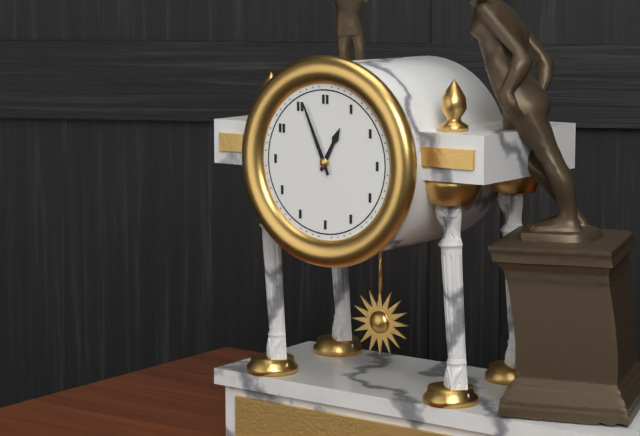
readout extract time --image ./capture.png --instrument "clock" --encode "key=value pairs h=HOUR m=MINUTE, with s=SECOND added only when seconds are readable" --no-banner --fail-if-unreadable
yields h=12 m=56
